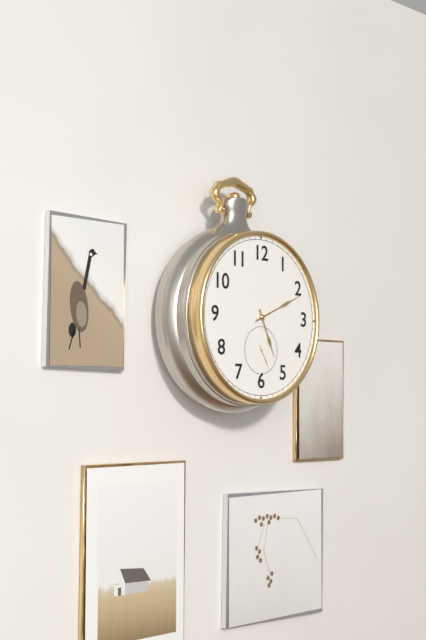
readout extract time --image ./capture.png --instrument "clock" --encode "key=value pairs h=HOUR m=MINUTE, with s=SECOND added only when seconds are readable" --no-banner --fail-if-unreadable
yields h=5 m=11
